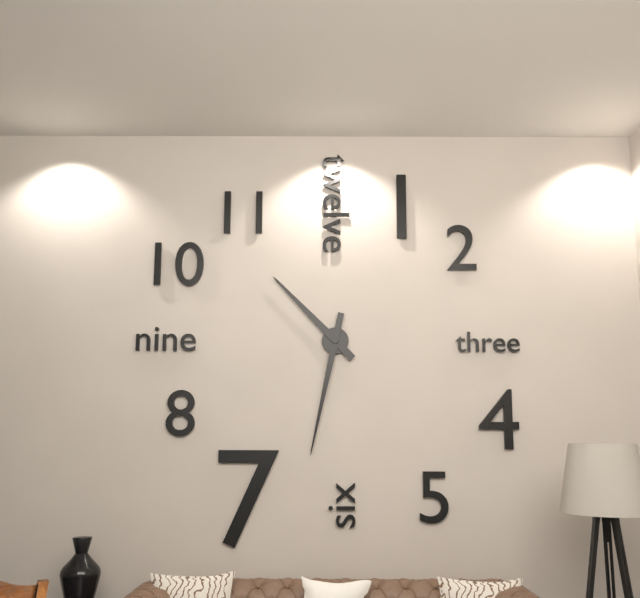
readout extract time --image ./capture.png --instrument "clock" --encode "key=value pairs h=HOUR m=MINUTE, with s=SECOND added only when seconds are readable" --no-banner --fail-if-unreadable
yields h=10 m=32
